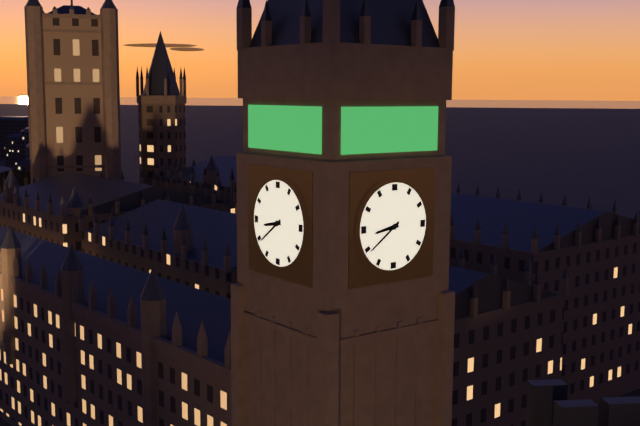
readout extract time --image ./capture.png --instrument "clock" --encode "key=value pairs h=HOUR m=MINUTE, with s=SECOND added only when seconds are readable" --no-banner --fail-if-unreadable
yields h=8 m=39
